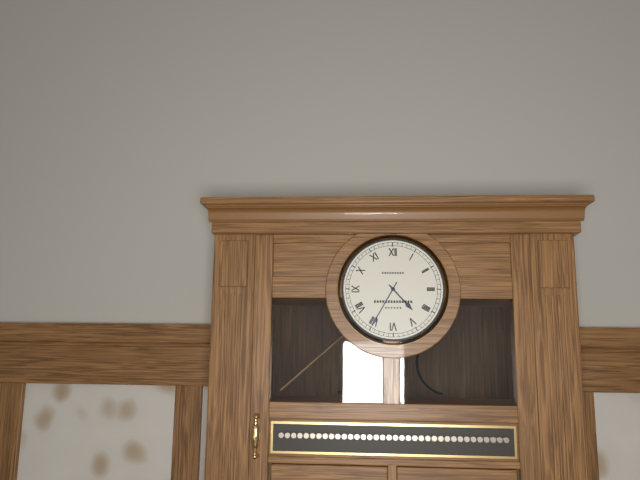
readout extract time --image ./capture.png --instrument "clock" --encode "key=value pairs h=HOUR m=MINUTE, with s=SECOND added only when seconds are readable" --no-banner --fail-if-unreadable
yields h=4 m=35
